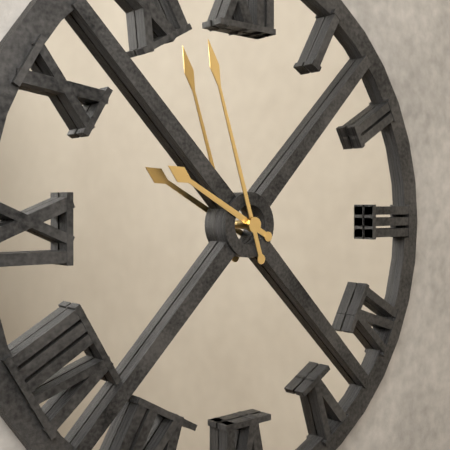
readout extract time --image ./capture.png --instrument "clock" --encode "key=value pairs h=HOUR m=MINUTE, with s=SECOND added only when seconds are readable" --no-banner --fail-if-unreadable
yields h=9 m=57
